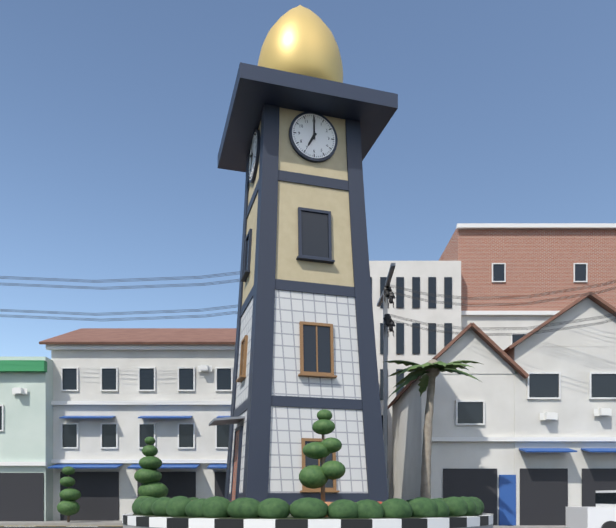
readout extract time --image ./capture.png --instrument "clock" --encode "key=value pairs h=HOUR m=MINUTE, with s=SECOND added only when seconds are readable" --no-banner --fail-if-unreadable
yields h=7 m=0
